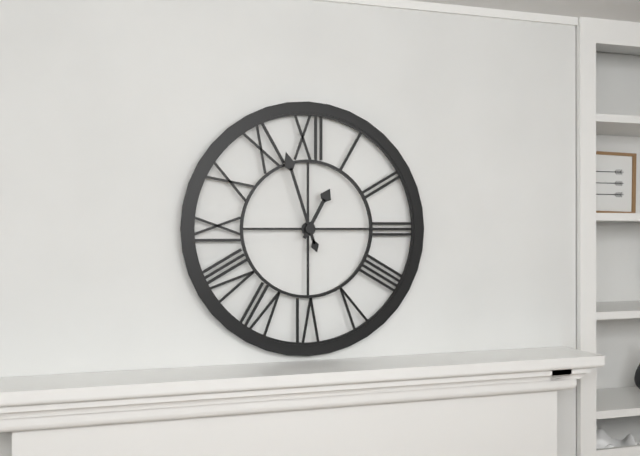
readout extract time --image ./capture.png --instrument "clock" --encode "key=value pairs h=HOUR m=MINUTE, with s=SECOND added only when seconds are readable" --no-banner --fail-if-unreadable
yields h=12 m=57
